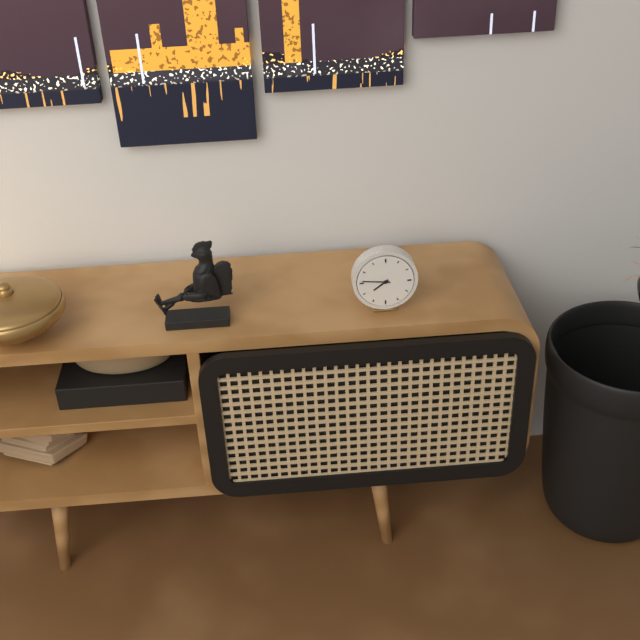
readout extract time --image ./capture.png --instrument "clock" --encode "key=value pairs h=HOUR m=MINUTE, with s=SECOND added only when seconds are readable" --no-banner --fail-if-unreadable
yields h=7 m=46
